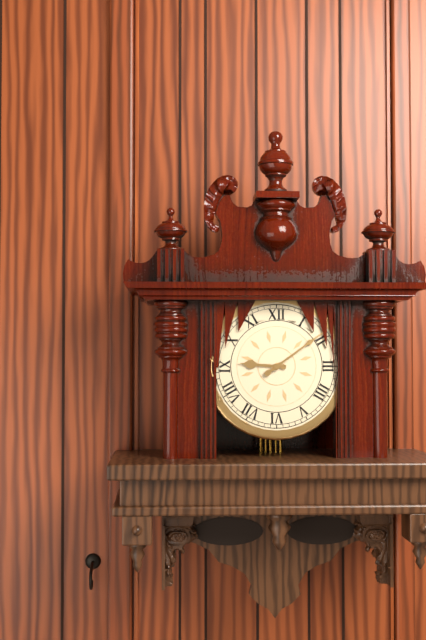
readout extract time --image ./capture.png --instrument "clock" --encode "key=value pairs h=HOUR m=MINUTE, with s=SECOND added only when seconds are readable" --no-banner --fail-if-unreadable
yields h=9 m=9
